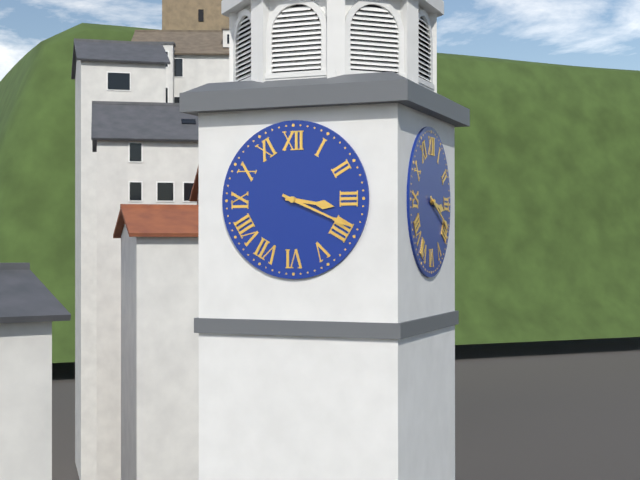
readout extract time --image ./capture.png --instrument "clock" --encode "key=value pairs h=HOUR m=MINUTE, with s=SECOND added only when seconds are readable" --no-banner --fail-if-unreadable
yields h=3 m=19
